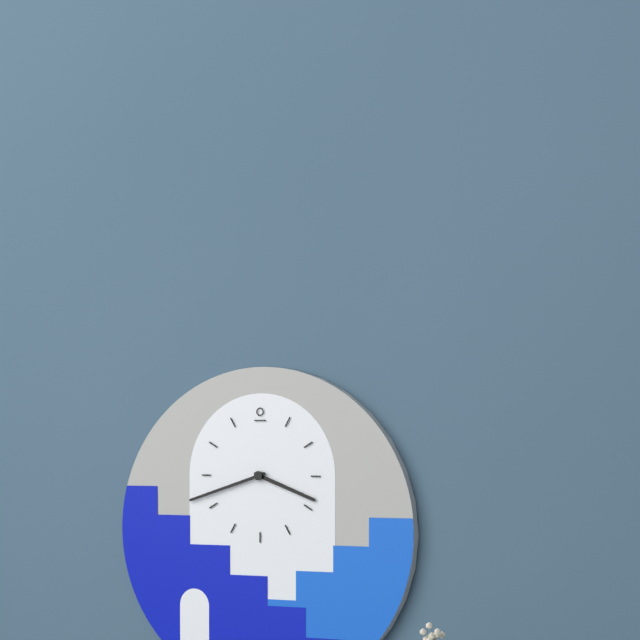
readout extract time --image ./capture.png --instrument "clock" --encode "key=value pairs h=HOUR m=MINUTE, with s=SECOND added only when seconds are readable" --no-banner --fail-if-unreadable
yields h=3 m=42
